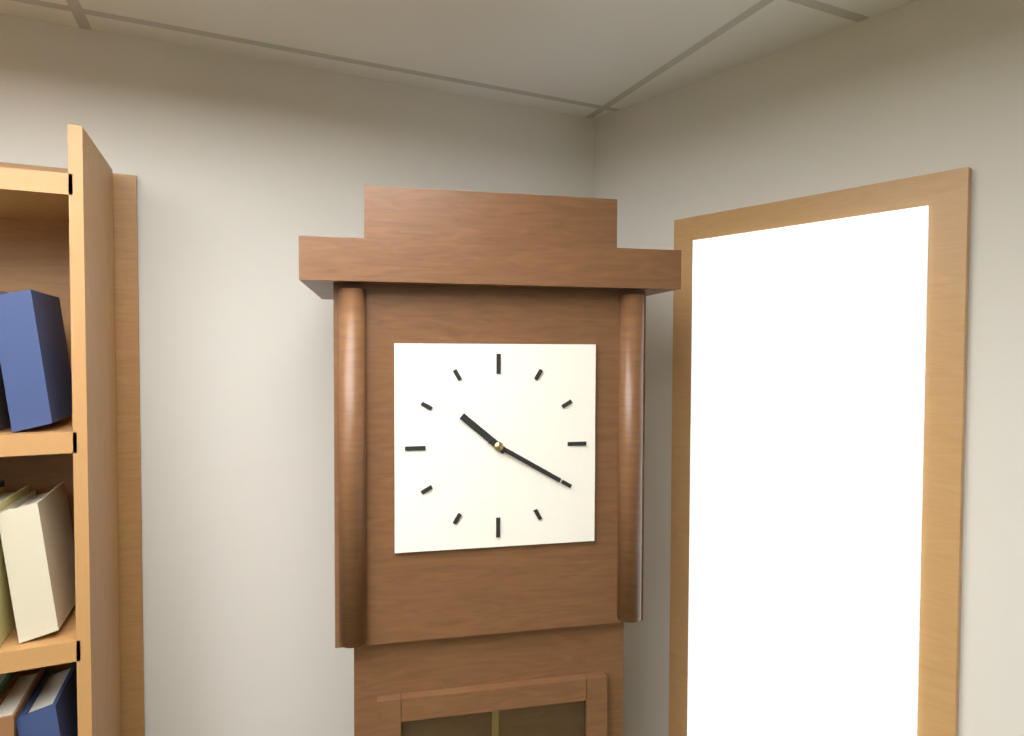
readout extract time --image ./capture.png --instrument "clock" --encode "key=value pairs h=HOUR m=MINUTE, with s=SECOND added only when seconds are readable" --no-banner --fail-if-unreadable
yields h=10 m=20
